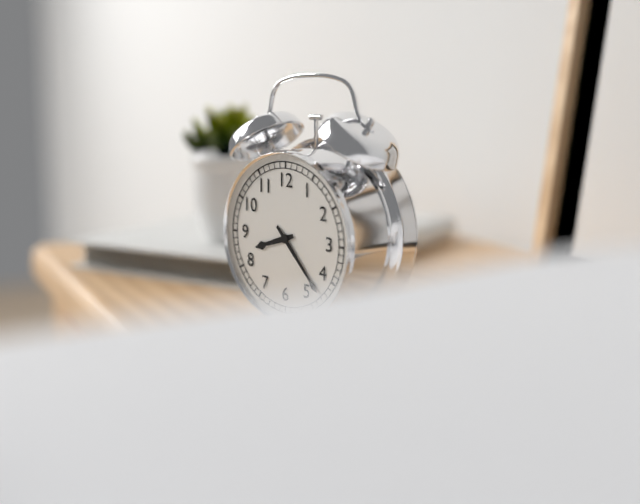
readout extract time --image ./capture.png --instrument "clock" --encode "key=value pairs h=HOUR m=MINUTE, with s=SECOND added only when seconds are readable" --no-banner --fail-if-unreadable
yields h=8 m=23
